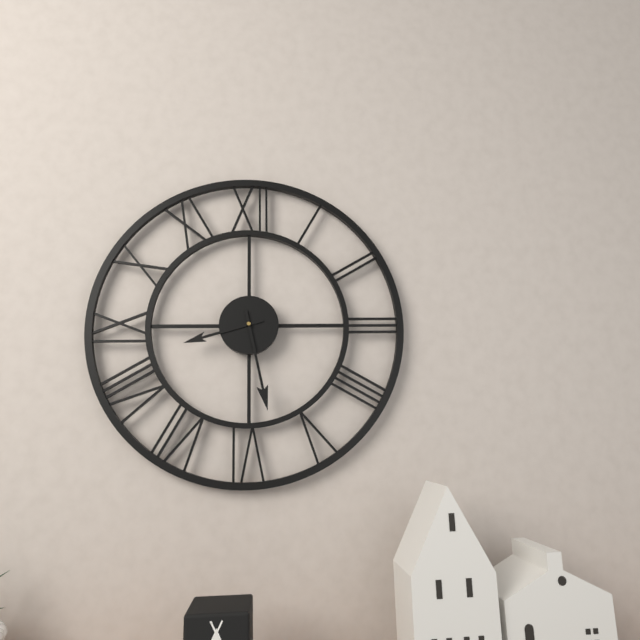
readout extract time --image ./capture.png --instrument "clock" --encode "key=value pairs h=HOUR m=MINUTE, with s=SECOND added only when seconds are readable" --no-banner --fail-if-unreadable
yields h=8 m=28
